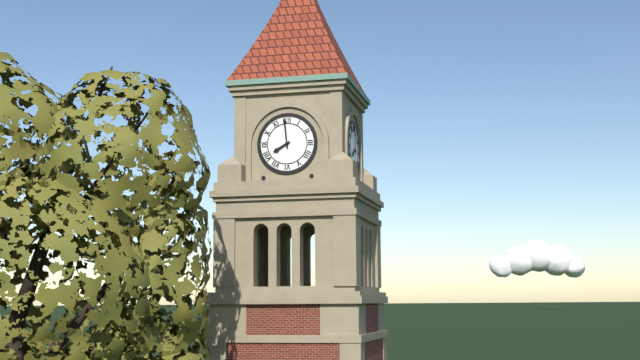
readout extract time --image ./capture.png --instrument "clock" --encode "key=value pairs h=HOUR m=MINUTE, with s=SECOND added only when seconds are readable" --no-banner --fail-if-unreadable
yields h=7 m=59
